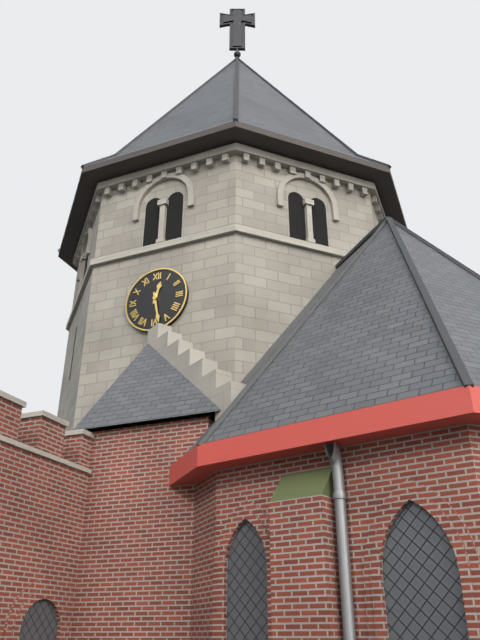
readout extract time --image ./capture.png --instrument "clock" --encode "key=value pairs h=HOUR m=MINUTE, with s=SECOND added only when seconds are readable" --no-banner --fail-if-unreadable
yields h=12 m=28
